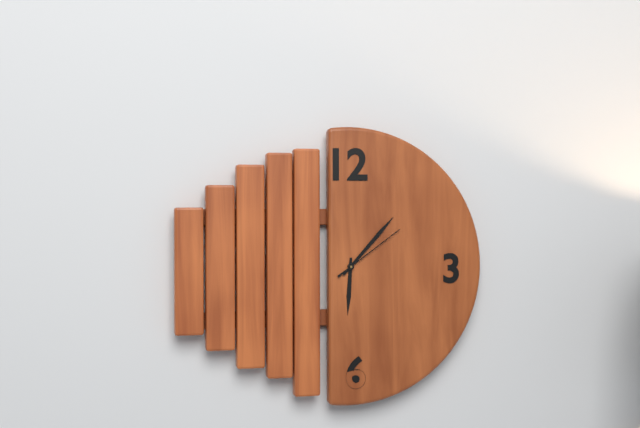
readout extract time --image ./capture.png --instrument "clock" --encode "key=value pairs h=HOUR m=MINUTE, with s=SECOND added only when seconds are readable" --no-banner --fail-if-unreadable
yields h=6 m=7 s=9
